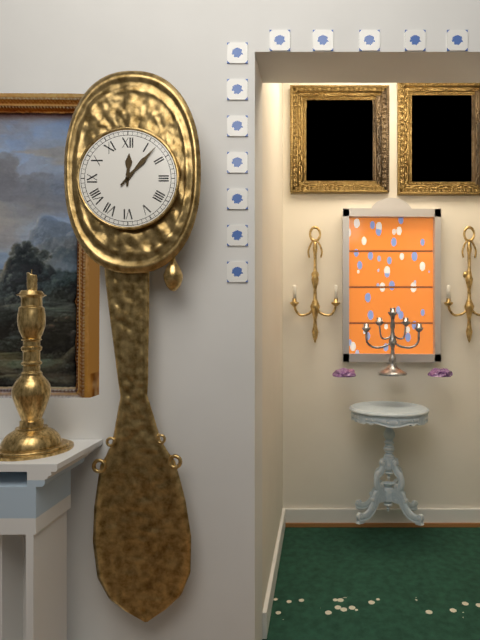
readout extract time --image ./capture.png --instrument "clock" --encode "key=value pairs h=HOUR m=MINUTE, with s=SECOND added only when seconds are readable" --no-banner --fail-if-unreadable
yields h=12 m=7
